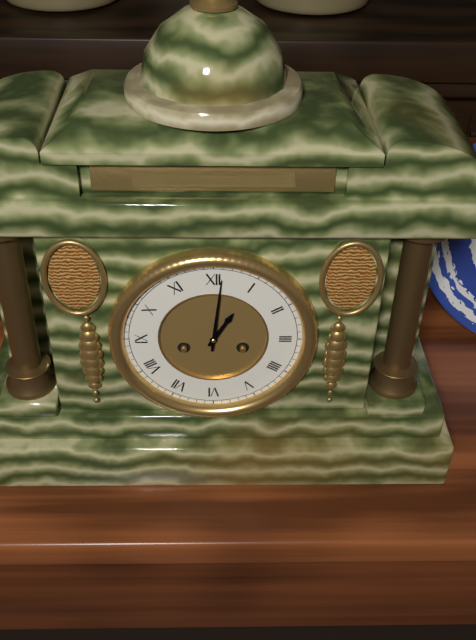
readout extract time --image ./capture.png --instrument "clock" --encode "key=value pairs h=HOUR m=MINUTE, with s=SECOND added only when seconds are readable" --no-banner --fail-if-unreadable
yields h=1 m=1
